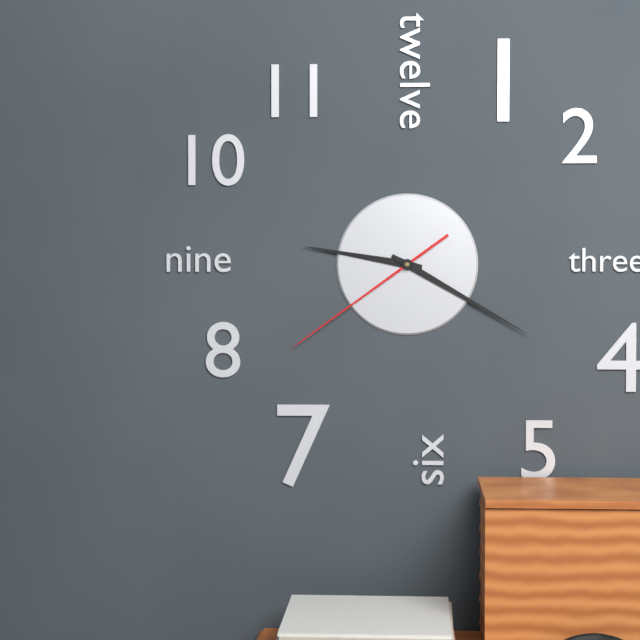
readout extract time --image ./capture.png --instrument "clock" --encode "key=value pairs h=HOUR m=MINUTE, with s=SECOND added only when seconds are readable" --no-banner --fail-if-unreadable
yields h=9 m=20 s=39
